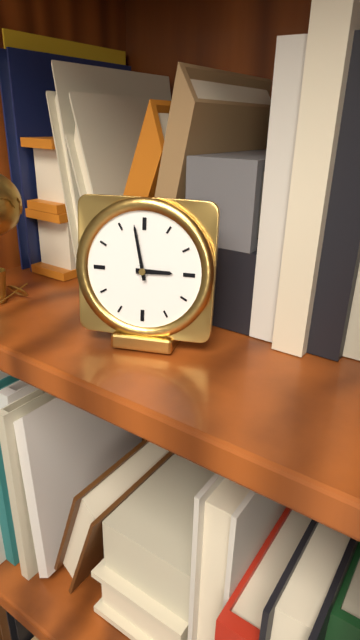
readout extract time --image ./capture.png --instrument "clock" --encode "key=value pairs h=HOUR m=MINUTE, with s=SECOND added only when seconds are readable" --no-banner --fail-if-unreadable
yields h=2 m=58
